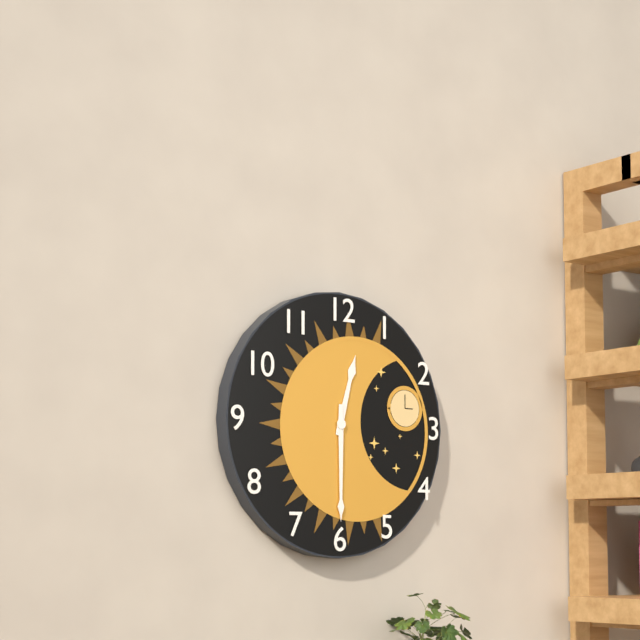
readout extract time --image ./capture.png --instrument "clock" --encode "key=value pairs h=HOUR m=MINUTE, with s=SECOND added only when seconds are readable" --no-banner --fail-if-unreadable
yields h=12 m=30
